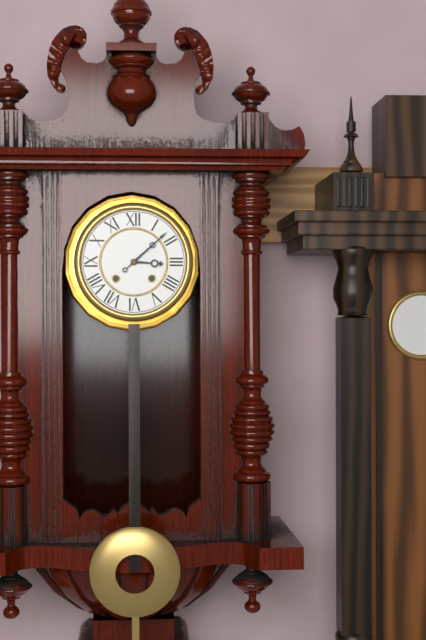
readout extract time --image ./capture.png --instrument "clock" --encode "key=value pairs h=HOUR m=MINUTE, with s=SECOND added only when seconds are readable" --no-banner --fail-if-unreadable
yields h=3 m=8
